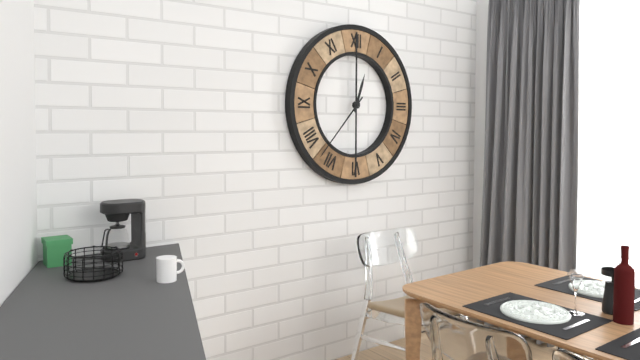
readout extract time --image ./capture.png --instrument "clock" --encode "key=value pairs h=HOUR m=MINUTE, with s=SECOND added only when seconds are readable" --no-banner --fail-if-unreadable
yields h=12 m=37
